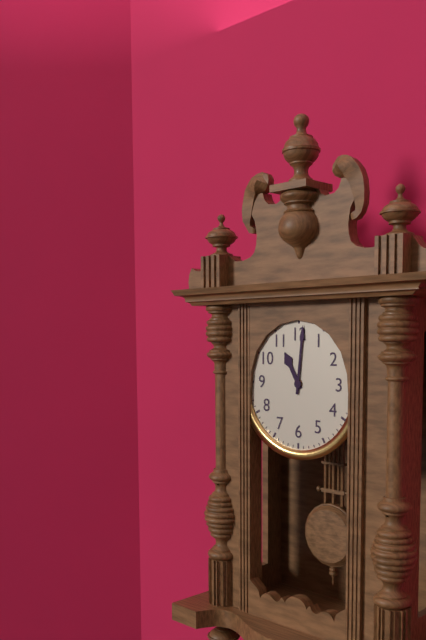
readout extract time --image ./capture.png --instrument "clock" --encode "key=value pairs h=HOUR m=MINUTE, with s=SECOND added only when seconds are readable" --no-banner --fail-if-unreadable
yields h=11 m=1
